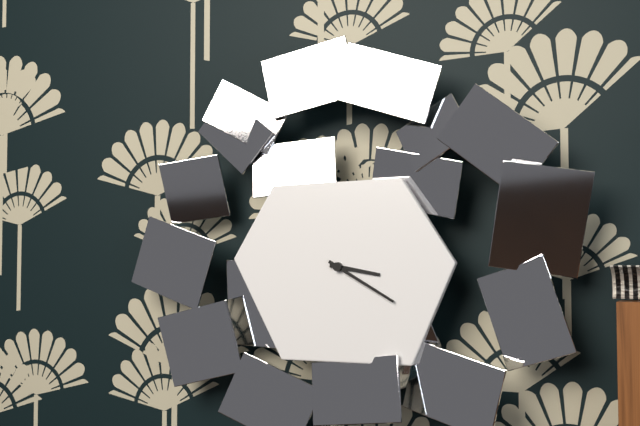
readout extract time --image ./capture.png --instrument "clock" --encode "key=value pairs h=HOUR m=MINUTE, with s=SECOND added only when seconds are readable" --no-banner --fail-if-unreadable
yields h=3 m=20
